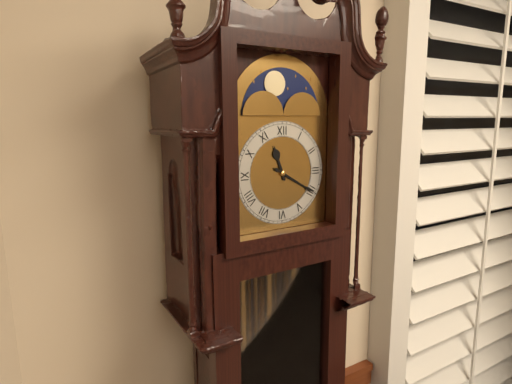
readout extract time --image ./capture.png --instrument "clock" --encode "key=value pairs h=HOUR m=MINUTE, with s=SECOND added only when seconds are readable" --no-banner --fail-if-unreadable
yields h=11 m=20
